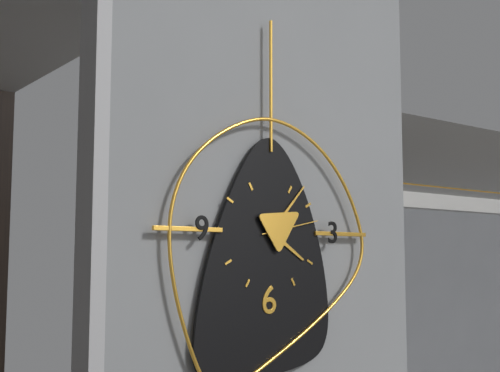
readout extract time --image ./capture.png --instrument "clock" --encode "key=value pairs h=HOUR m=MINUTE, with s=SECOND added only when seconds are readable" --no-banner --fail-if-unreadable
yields h=4 m=7 s=13
